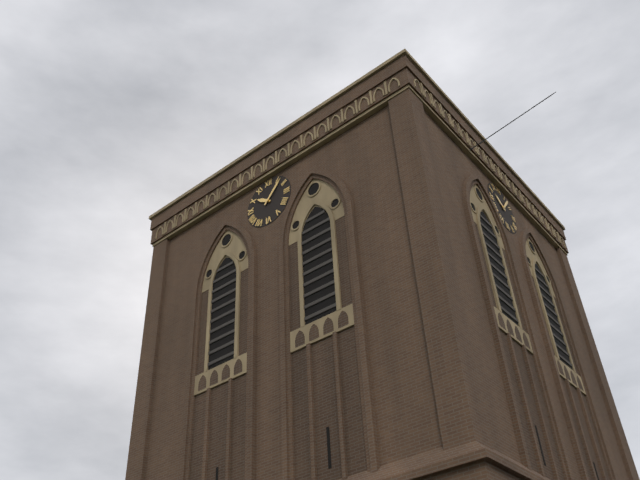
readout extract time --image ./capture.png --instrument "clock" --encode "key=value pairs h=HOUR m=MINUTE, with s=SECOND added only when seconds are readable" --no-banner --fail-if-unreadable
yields h=10 m=7
